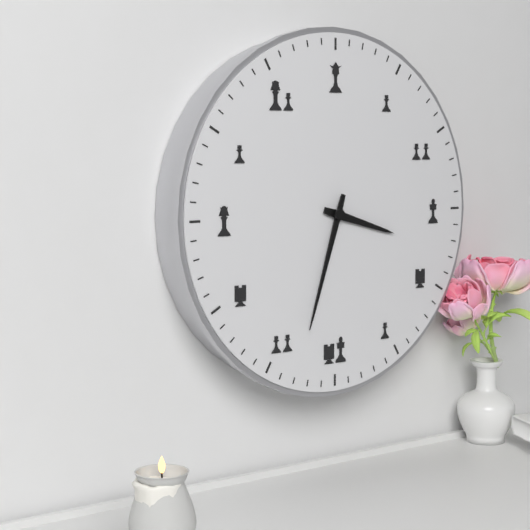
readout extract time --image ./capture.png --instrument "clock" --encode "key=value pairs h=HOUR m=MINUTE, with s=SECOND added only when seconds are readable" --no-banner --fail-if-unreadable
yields h=3 m=33
